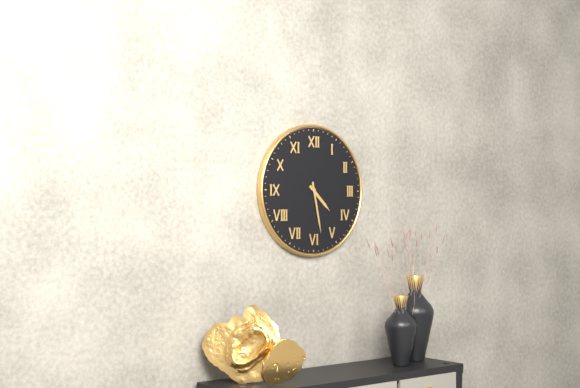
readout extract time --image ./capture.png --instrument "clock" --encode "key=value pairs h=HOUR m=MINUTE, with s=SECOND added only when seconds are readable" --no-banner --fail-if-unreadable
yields h=4 m=28
